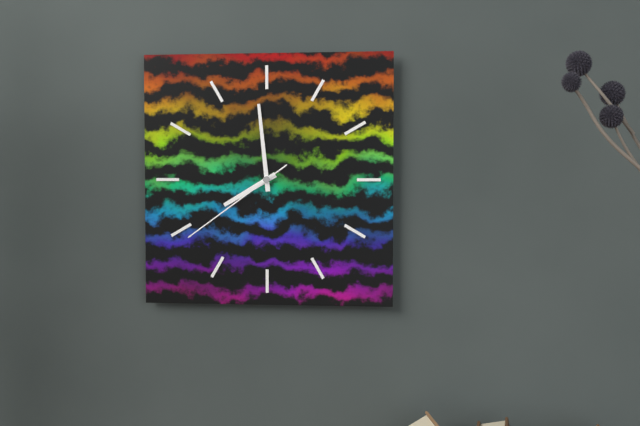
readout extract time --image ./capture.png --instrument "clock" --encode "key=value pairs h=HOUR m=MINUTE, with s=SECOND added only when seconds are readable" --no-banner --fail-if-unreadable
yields h=7 m=59 s=39
